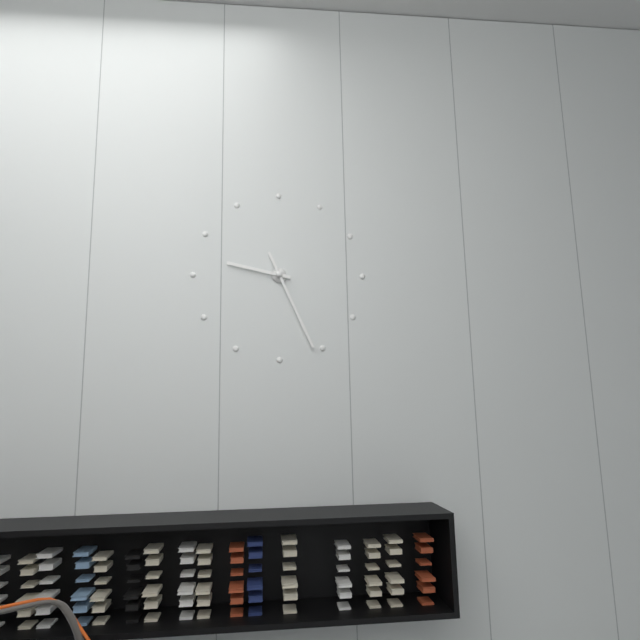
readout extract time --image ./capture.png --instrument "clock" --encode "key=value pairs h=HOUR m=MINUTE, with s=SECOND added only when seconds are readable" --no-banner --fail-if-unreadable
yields h=9 m=26
